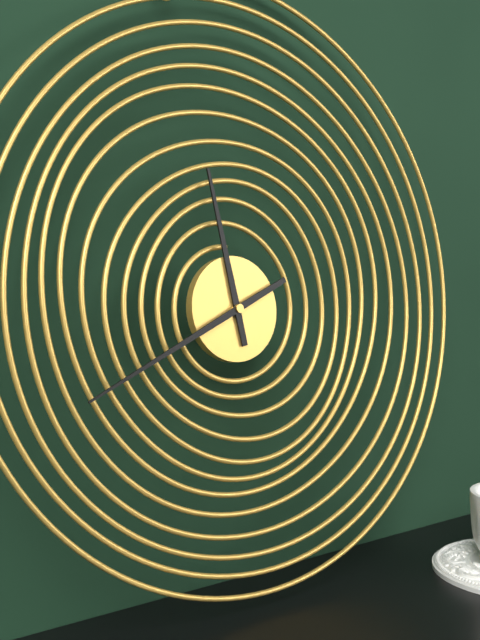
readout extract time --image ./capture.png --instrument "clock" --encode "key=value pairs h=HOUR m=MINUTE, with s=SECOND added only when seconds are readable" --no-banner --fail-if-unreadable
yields h=11 m=41
